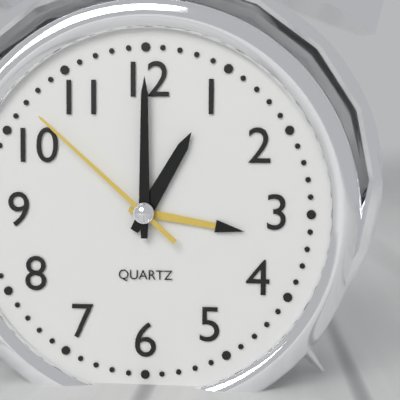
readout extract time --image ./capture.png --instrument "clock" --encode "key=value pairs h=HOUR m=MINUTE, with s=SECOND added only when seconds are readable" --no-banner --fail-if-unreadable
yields h=1 m=0 s=52
